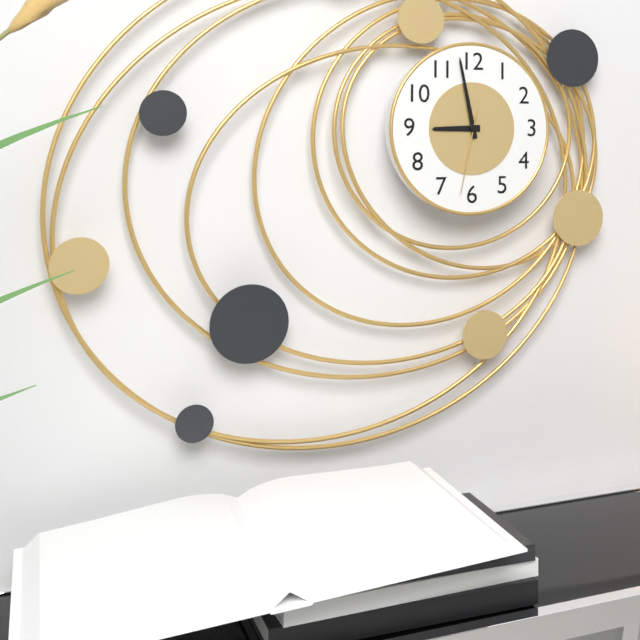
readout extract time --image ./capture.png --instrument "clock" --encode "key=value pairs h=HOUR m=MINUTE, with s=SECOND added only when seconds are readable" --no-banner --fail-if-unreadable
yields h=8 m=58 s=32
